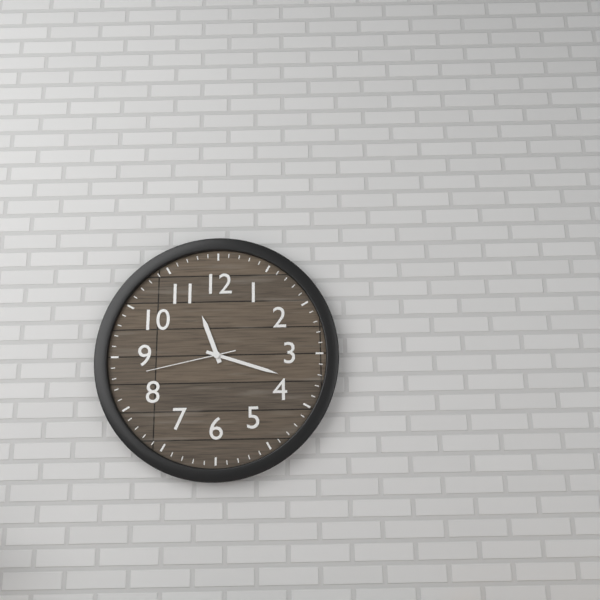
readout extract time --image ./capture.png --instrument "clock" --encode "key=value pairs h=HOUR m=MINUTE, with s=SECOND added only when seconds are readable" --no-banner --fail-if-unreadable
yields h=11 m=18 s=43
